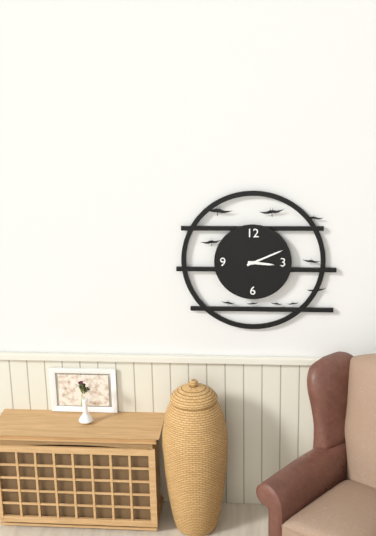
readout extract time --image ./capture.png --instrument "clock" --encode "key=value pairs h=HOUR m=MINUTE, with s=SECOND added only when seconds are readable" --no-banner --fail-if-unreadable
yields h=3 m=11
